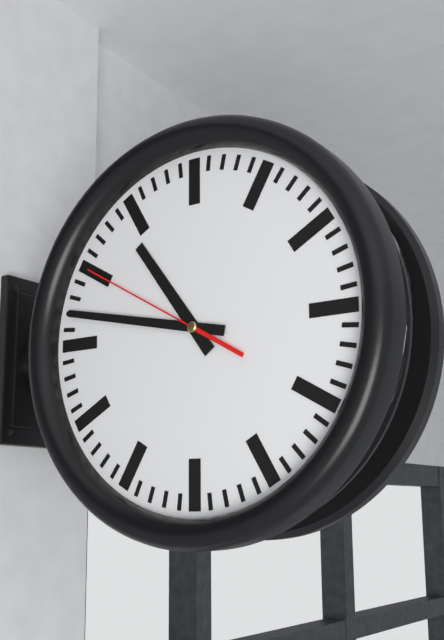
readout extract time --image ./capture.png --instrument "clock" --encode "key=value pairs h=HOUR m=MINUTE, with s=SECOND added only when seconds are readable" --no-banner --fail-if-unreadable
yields h=10 m=47 s=50
